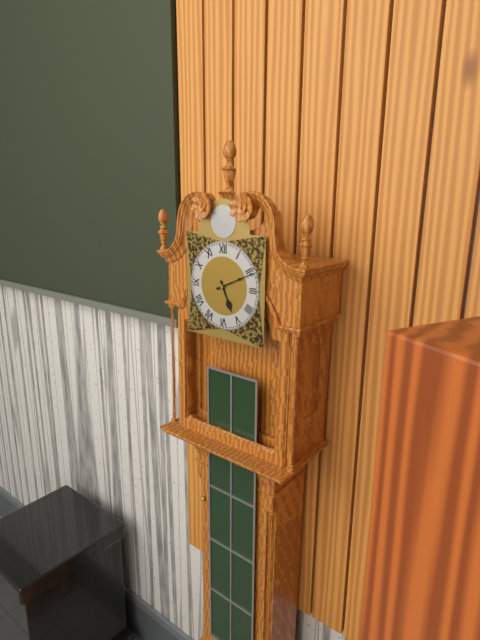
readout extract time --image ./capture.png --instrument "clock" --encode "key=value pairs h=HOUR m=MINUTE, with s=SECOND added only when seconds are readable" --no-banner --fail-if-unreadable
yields h=5 m=11
